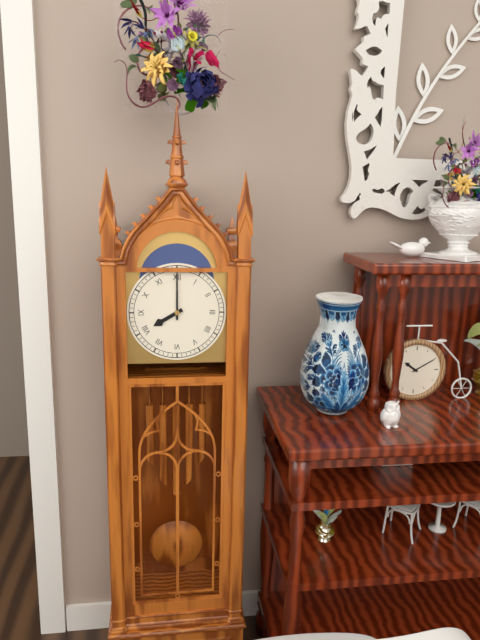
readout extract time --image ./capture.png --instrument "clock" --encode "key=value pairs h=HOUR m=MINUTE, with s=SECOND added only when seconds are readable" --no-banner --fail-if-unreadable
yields h=8 m=0
